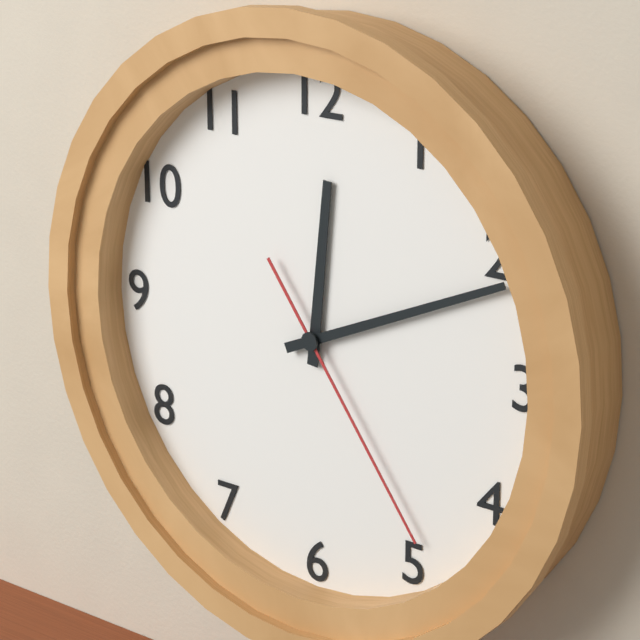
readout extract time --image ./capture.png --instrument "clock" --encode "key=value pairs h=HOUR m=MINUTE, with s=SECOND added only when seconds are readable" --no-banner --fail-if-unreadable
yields h=12 m=11 s=24
